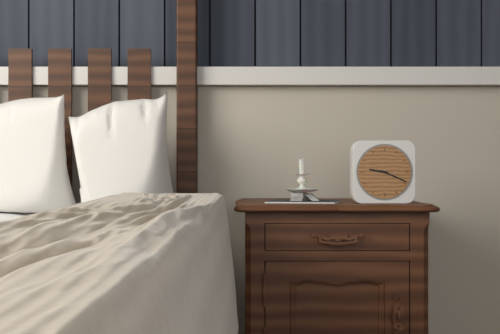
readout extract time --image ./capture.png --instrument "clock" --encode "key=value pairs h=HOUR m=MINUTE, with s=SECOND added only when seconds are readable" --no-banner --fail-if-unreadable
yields h=9 m=19
